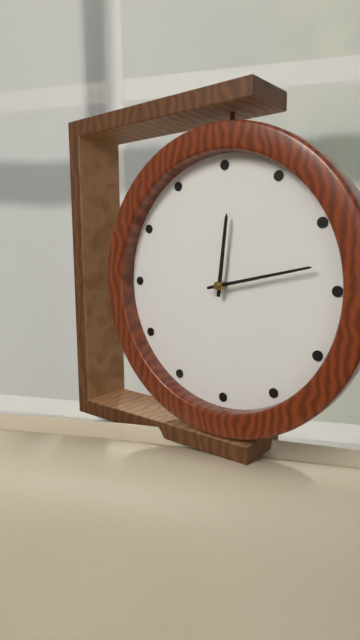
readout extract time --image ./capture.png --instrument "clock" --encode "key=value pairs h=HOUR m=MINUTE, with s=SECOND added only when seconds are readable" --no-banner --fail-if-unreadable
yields h=12 m=13
